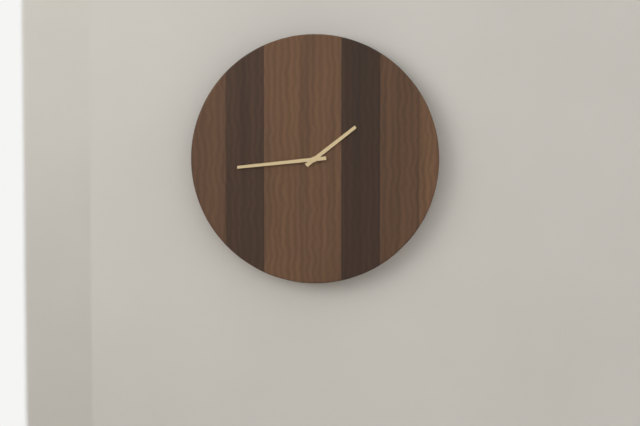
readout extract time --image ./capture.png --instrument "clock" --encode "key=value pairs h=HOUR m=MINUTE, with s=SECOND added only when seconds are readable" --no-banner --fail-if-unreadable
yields h=1 m=44
